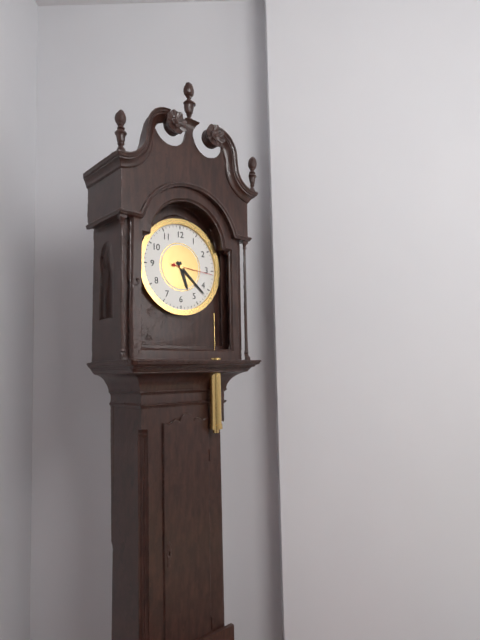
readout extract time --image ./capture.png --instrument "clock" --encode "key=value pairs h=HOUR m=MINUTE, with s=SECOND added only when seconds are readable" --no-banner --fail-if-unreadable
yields h=5 m=22
